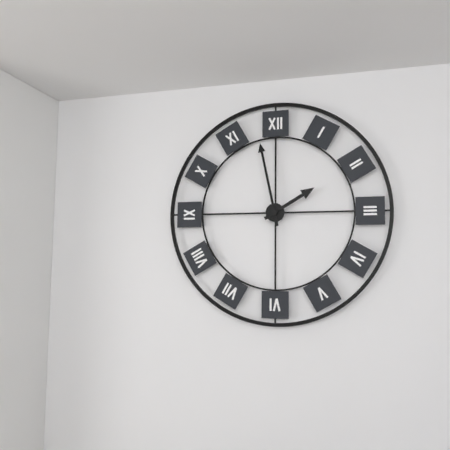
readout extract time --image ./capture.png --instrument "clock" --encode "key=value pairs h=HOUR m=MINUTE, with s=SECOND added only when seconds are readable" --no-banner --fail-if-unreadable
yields h=1 m=58
